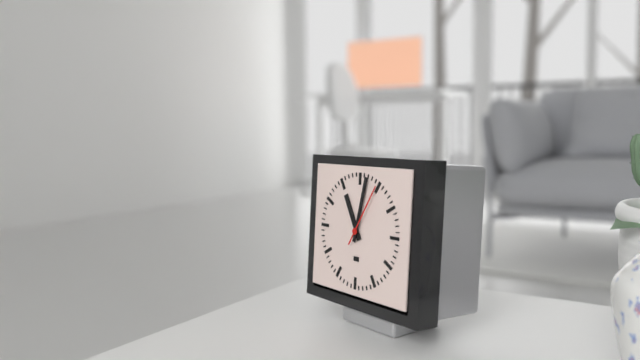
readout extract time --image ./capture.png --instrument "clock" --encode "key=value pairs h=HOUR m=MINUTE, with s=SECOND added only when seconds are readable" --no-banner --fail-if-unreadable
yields h=11 m=2 s=5
